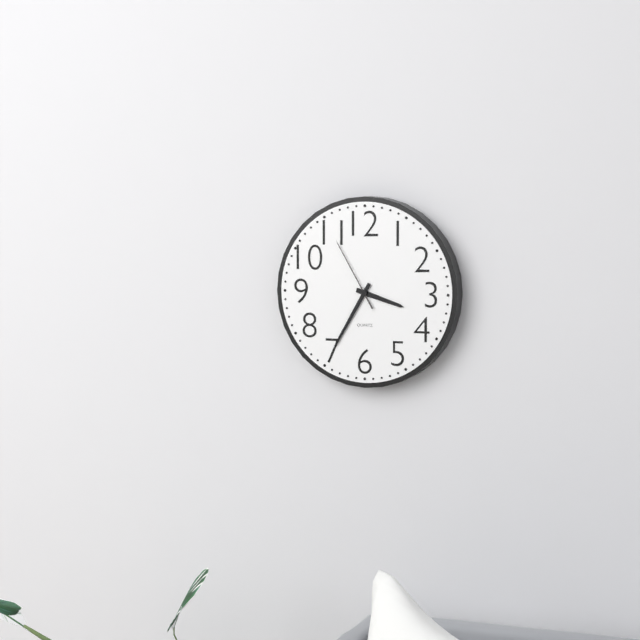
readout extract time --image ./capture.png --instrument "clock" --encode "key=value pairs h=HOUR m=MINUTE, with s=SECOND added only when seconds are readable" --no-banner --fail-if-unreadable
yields h=3 m=35 s=55
